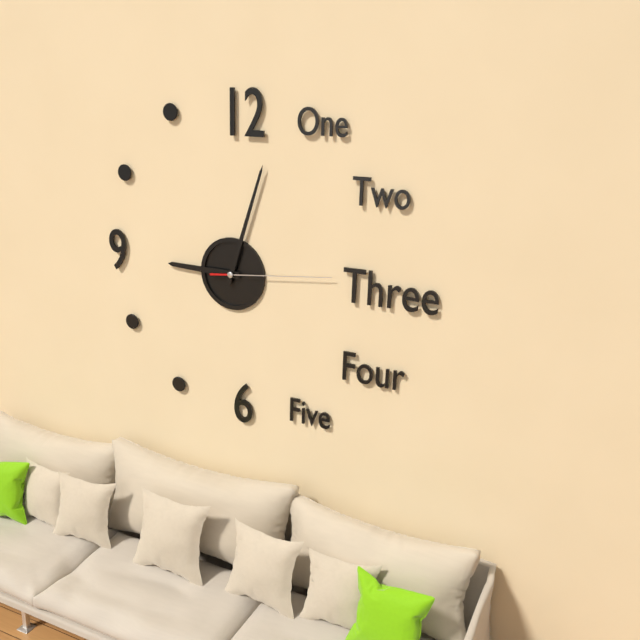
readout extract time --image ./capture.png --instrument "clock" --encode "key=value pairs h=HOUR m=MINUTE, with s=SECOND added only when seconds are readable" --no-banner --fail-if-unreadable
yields h=9 m=3 s=14
